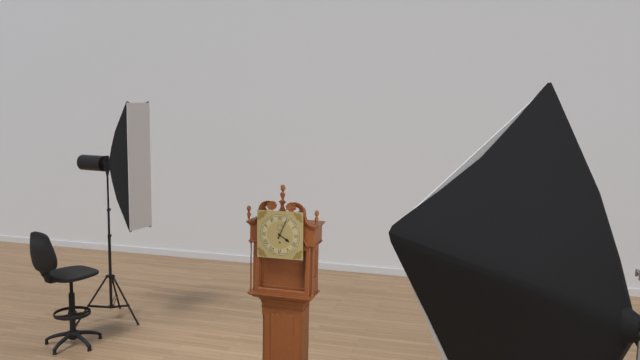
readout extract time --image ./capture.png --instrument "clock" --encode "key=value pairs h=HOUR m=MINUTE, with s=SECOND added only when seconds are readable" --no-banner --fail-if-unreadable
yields h=4 m=4
